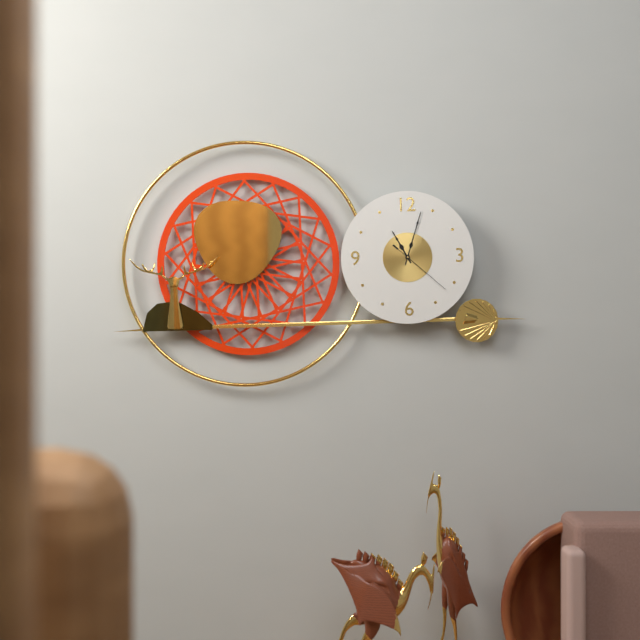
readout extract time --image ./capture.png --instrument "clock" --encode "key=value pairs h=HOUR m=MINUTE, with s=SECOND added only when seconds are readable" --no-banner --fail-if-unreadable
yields h=11 m=3 s=22
